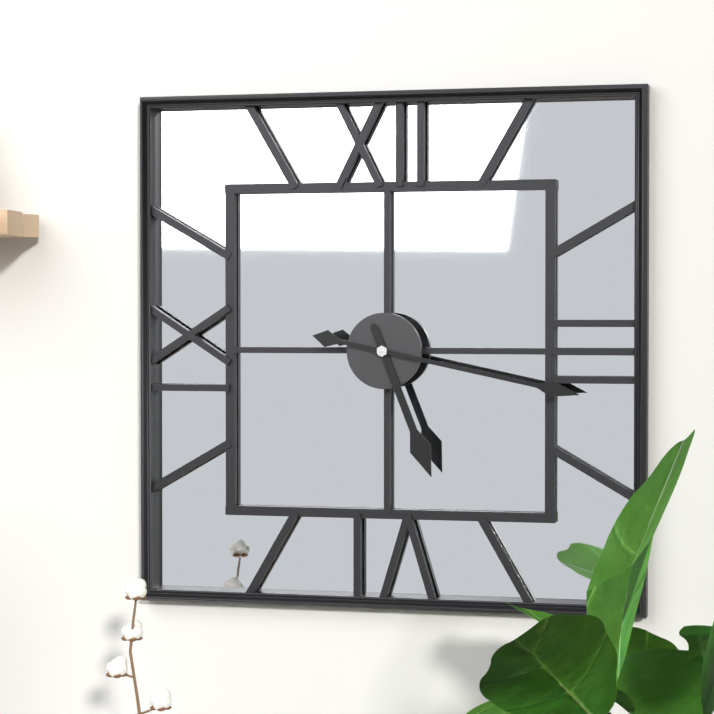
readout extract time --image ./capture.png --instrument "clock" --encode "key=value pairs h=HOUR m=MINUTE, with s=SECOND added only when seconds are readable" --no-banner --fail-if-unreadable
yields h=5 m=17
